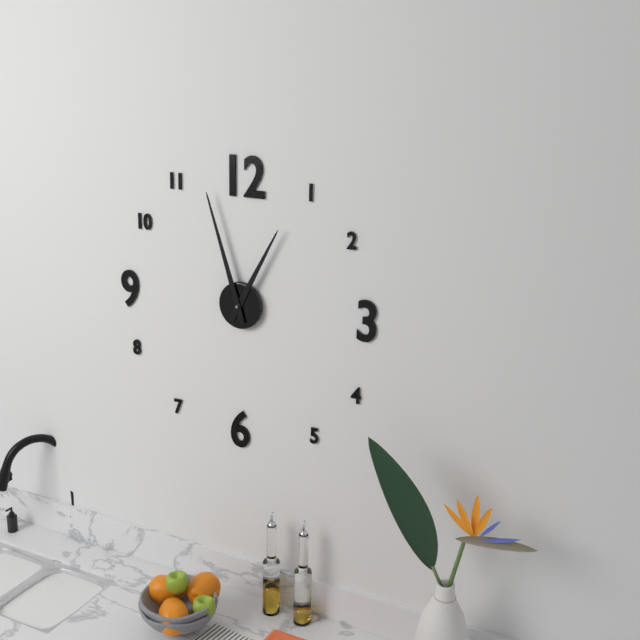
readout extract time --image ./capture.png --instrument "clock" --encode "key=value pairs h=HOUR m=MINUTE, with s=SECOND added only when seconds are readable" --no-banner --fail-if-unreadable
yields h=12 m=57
